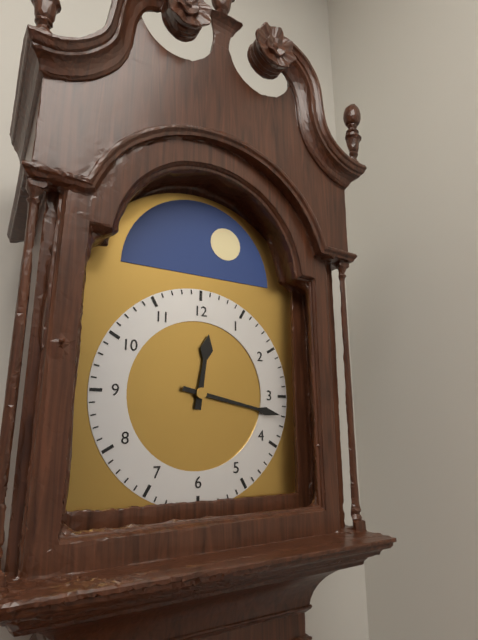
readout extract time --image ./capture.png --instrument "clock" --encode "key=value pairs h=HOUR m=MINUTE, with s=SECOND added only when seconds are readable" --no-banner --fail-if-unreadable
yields h=12 m=17
